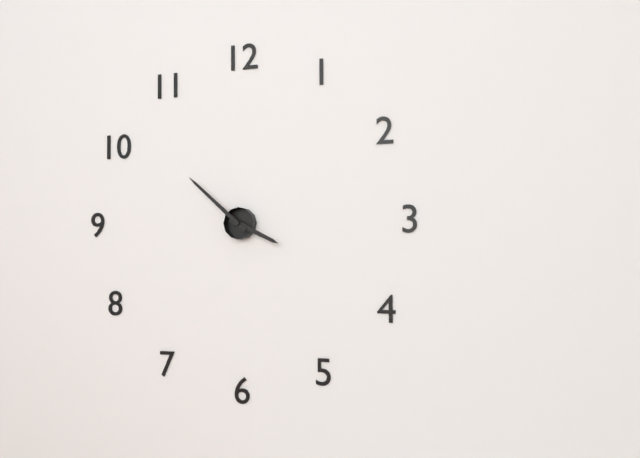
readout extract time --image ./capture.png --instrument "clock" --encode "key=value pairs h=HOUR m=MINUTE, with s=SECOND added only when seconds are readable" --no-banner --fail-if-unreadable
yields h=3 m=52
